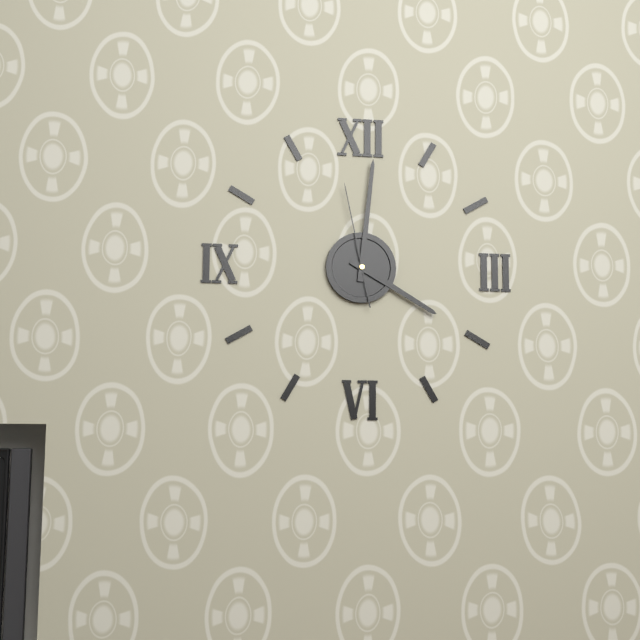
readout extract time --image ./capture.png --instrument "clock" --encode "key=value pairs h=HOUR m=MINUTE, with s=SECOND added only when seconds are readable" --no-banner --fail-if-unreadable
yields h=4 m=1 s=58
